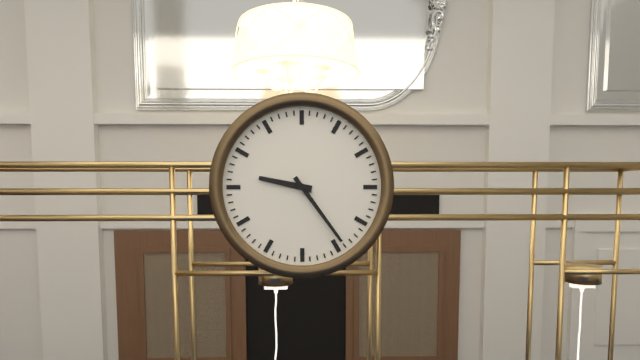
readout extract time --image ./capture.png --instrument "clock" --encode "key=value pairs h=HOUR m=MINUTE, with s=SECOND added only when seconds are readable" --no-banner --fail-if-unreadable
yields h=9 m=24
